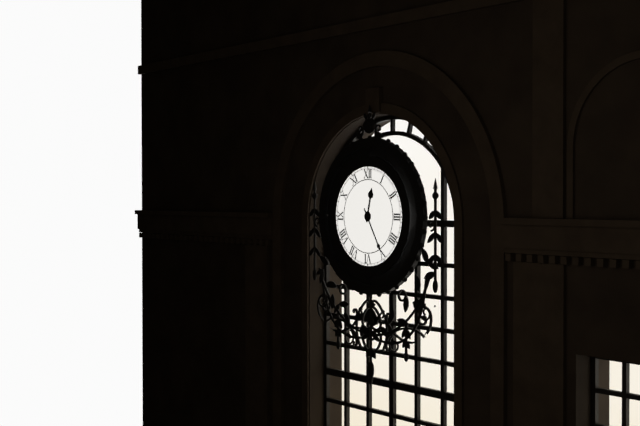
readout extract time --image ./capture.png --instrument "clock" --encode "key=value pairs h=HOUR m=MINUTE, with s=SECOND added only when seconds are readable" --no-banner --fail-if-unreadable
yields h=12 m=25
